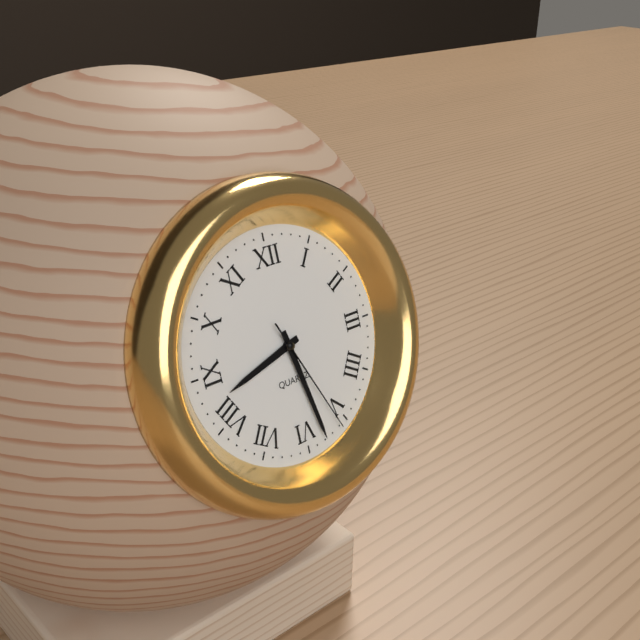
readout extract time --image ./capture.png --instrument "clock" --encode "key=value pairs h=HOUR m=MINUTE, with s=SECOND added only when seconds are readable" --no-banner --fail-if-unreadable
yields h=8 m=28 s=26
